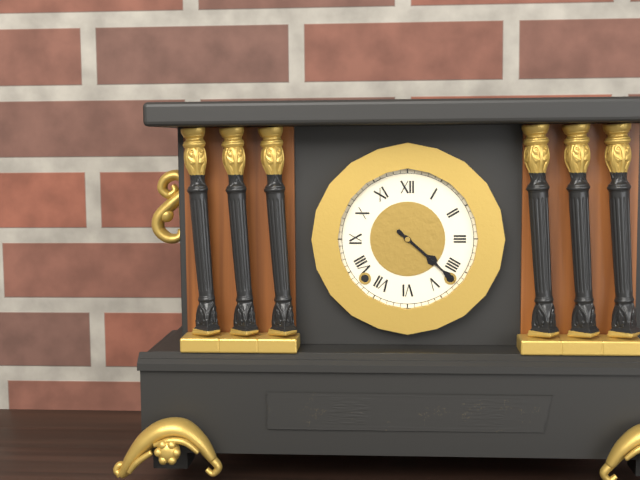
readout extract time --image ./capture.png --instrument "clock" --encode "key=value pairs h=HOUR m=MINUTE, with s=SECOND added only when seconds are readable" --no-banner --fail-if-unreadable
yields h=4 m=22
